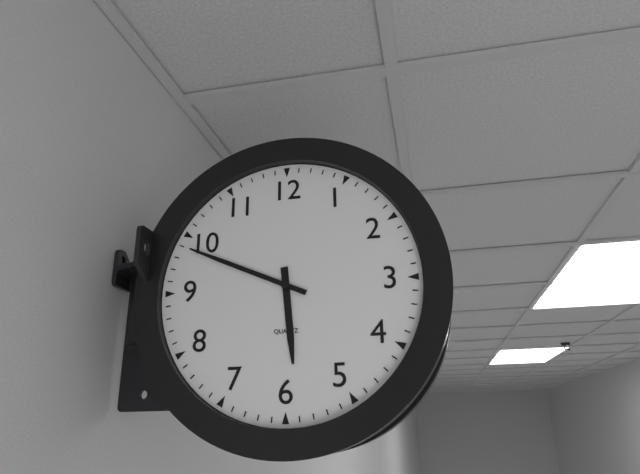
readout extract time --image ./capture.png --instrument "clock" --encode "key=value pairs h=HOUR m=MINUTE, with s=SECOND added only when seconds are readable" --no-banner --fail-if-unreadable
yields h=5 m=49
